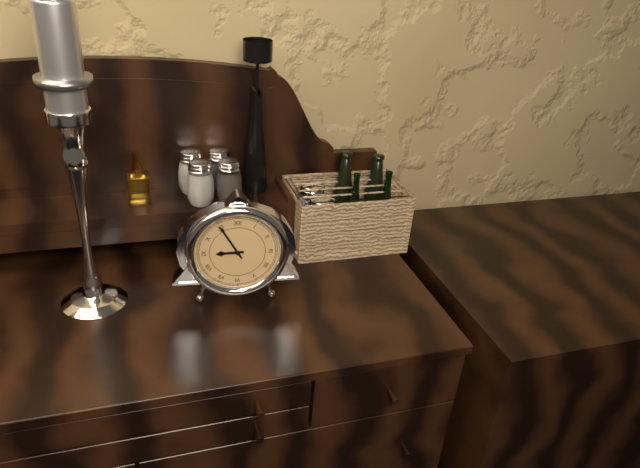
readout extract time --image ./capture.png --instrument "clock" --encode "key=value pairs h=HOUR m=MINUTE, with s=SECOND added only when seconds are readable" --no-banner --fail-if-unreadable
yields h=8 m=55
